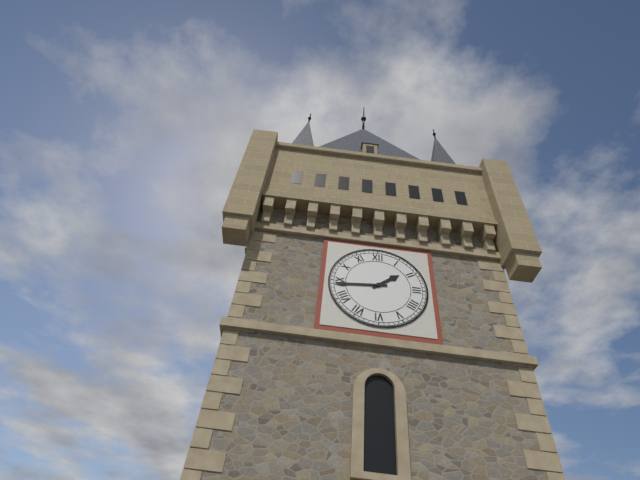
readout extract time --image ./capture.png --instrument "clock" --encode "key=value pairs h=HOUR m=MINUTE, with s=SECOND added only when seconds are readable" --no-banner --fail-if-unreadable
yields h=1 m=44
